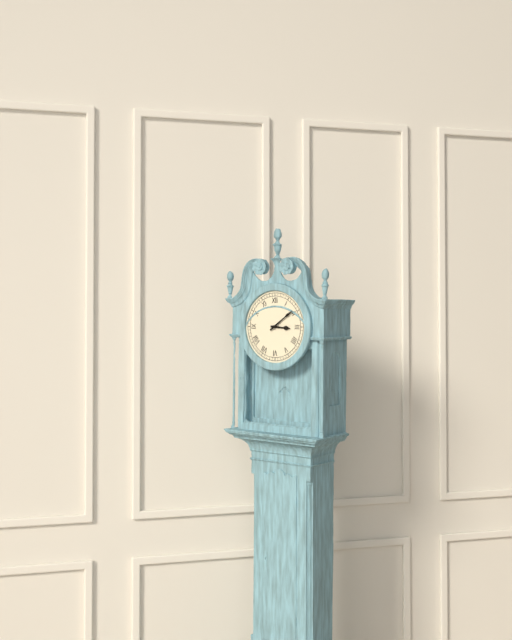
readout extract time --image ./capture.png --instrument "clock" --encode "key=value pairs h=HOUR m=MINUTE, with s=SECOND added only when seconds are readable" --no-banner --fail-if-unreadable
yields h=3 m=9
